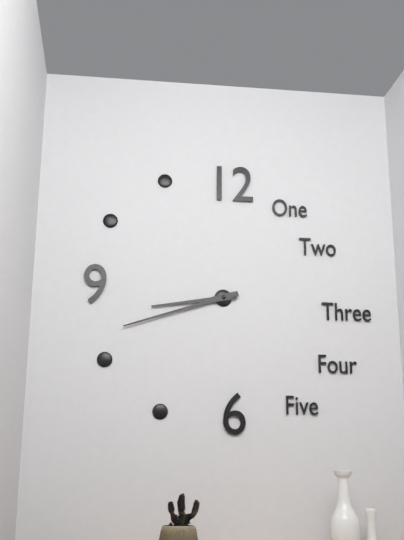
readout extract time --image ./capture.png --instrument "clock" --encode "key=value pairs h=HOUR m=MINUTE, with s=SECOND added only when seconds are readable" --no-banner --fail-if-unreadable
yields h=8 m=42
